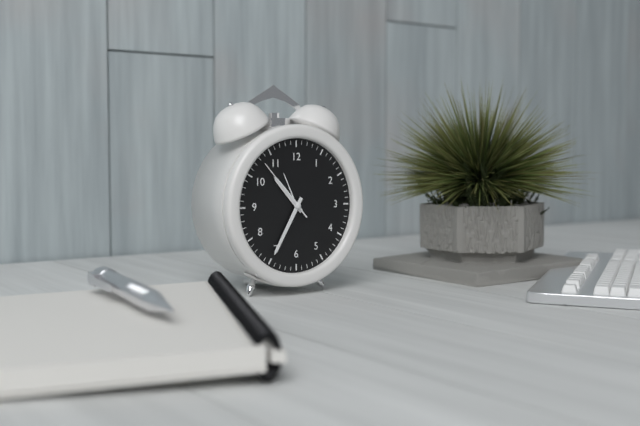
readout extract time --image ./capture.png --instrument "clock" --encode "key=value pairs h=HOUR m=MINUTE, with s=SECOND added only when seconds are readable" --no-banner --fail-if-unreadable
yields h=10 m=35 s=53
